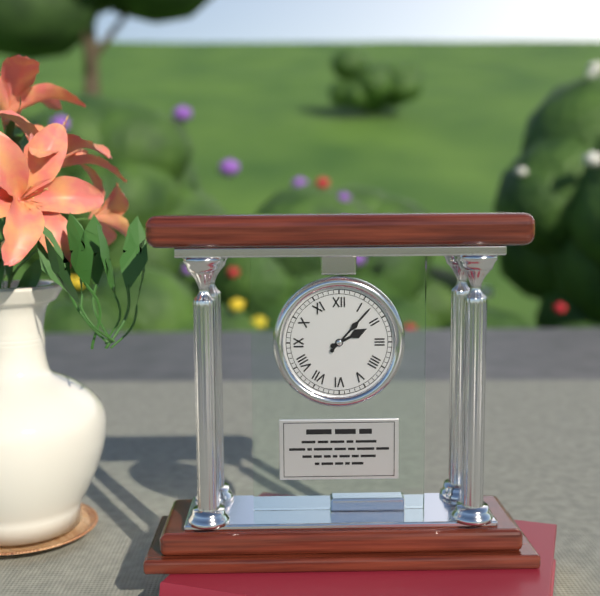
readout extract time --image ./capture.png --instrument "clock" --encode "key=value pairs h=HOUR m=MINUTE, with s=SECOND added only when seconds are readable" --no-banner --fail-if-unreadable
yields h=2 m=7
